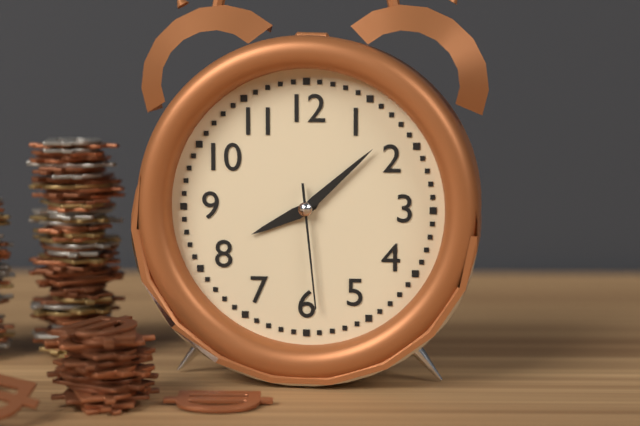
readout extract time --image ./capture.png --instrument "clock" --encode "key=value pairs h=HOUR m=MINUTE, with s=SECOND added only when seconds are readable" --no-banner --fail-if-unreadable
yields h=8 m=8 s=29
